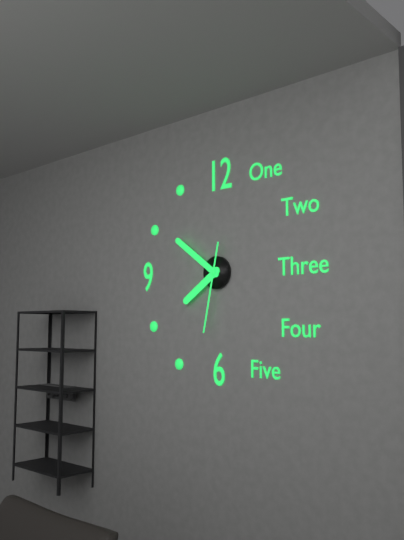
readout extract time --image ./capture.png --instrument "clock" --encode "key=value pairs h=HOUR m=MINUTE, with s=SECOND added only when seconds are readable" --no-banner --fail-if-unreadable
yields h=7 m=51 s=32
